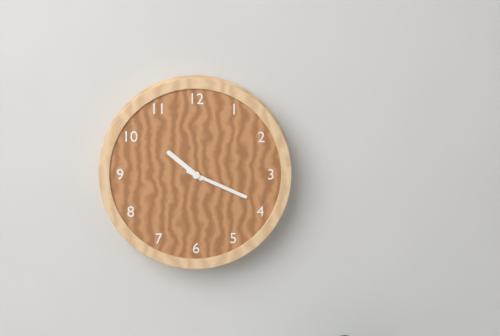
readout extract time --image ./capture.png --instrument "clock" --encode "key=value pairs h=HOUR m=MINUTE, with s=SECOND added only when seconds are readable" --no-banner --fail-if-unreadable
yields h=10 m=19
